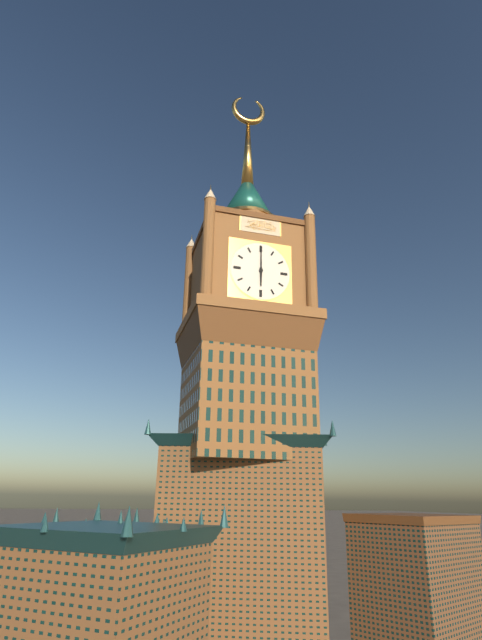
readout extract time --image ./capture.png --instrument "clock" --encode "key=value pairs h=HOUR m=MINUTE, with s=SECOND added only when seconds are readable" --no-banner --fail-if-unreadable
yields h=6 m=0
